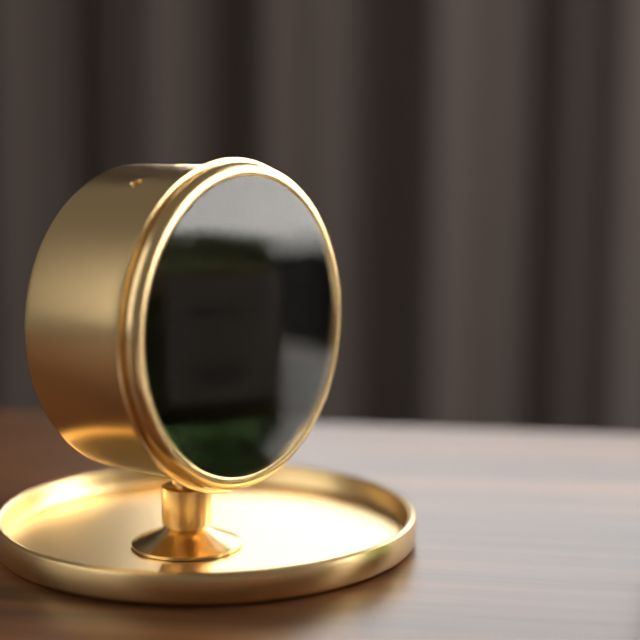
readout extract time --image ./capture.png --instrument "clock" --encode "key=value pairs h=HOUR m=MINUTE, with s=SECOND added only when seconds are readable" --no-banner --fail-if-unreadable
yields h=7 m=17 s=34
